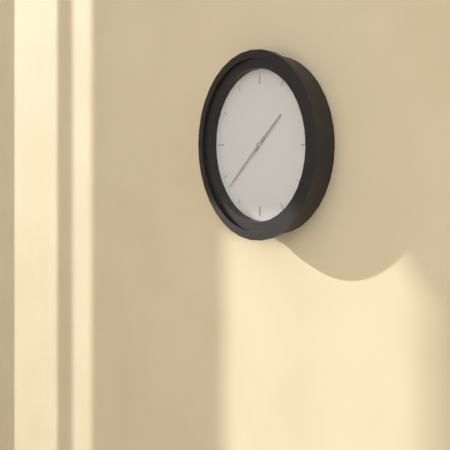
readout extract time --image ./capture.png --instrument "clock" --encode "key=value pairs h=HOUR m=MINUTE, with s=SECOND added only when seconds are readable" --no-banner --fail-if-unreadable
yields h=1 m=38
